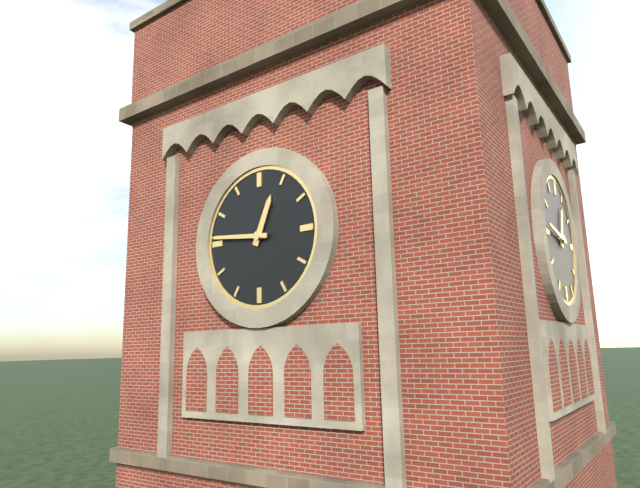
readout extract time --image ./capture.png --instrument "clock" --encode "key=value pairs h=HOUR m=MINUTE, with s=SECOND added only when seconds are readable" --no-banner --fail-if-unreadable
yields h=12 m=46
